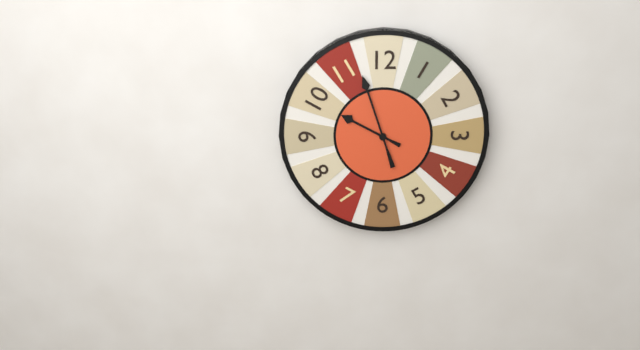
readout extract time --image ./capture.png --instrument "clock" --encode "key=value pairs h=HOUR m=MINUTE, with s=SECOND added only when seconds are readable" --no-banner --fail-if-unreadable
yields h=9 m=57
